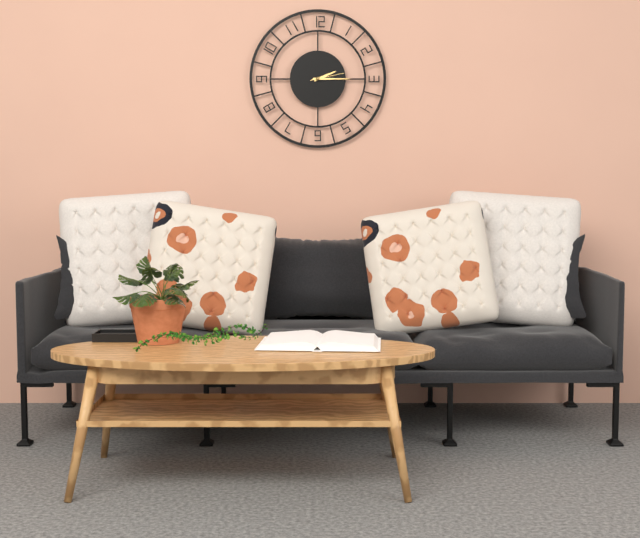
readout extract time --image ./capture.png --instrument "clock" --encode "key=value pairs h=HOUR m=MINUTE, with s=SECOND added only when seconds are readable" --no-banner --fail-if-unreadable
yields h=2 m=15
